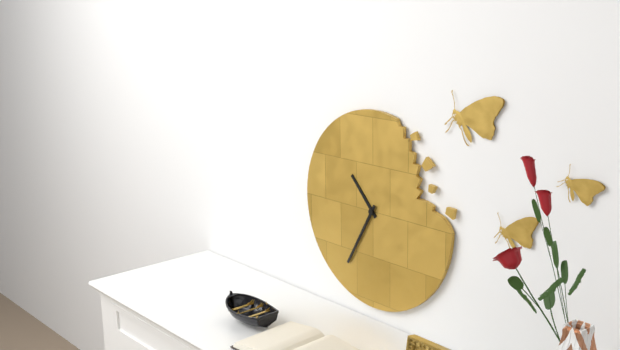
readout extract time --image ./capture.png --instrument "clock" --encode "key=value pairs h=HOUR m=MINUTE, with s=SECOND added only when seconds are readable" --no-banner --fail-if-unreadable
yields h=10 m=35
